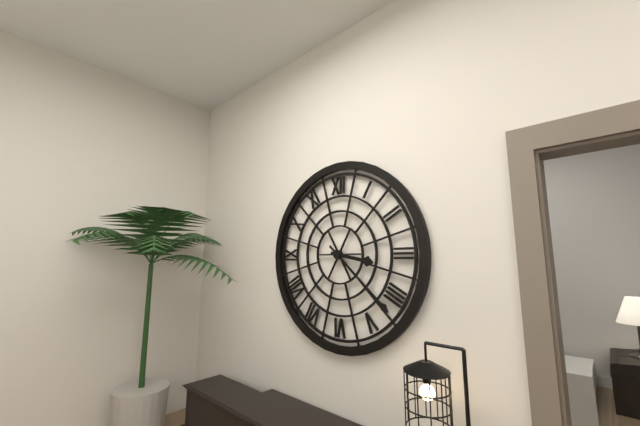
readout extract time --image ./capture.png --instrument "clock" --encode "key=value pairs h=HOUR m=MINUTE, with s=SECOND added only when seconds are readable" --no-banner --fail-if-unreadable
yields h=3 m=22
